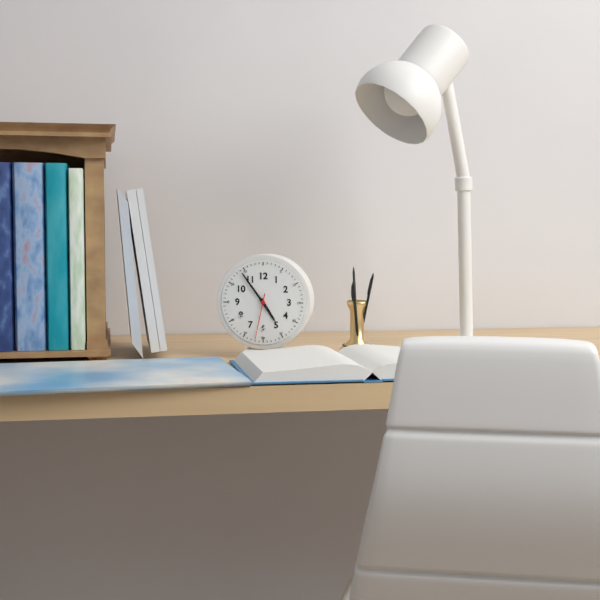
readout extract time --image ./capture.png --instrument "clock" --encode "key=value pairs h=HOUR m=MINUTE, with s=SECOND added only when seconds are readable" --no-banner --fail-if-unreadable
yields h=4 m=54
